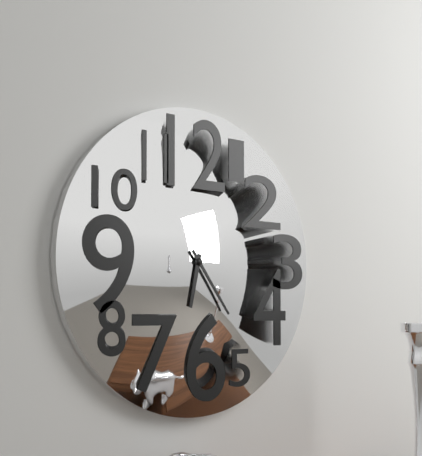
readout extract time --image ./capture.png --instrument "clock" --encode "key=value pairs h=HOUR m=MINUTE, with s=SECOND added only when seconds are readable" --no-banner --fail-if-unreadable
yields h=6 m=24
